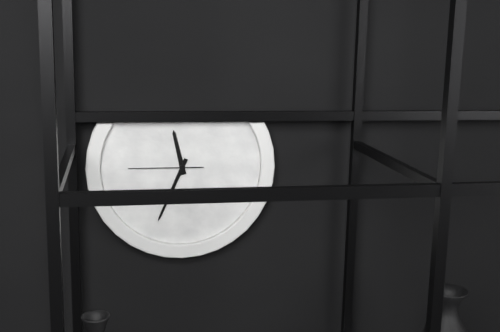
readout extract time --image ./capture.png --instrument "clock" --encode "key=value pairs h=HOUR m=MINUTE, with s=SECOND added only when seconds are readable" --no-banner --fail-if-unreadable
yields h=11 m=34 s=45
